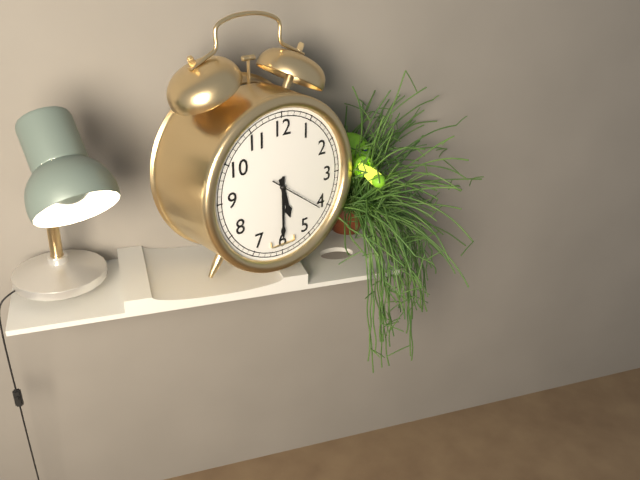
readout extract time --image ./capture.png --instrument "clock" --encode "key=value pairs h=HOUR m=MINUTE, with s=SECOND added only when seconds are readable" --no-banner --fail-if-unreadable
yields h=5 m=30 s=21
